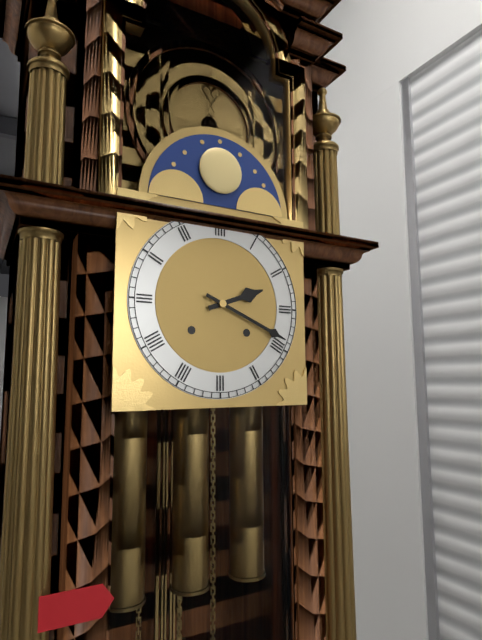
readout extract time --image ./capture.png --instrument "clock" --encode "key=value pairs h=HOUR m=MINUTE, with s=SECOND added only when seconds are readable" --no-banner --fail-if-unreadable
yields h=2 m=19
